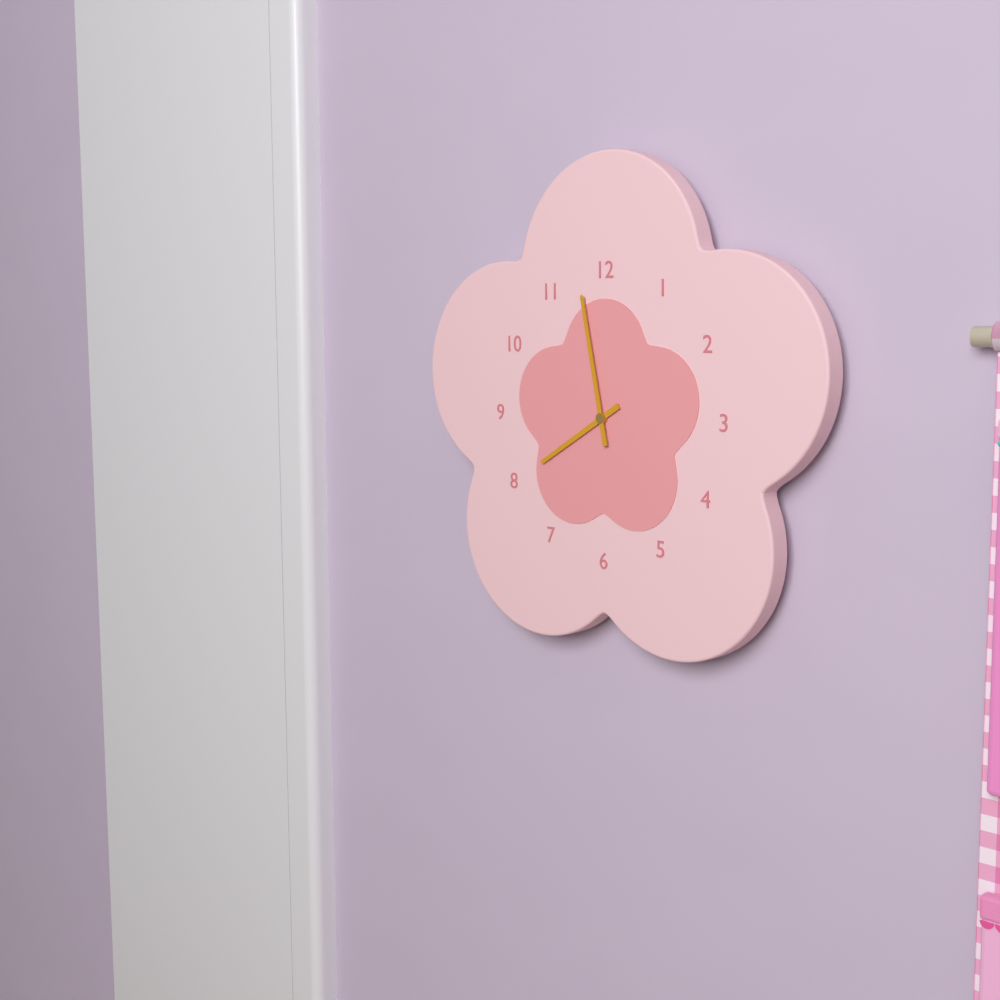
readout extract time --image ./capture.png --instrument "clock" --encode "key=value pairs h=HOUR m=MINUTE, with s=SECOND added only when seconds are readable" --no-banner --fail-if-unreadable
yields h=7 m=58
